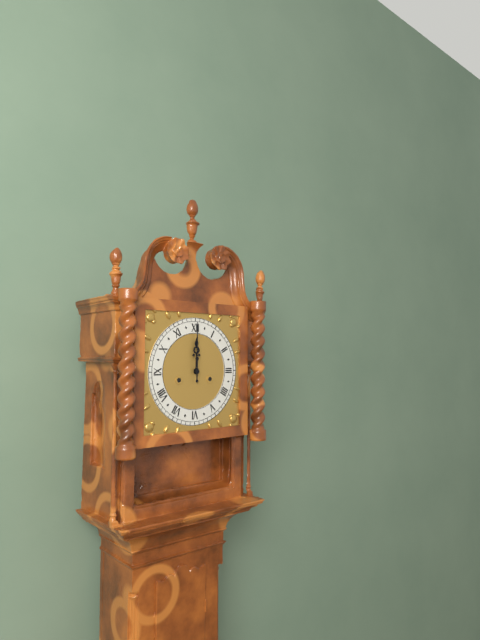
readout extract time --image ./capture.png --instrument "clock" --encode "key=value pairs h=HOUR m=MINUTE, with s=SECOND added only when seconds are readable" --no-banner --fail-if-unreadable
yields h=12 m=0
